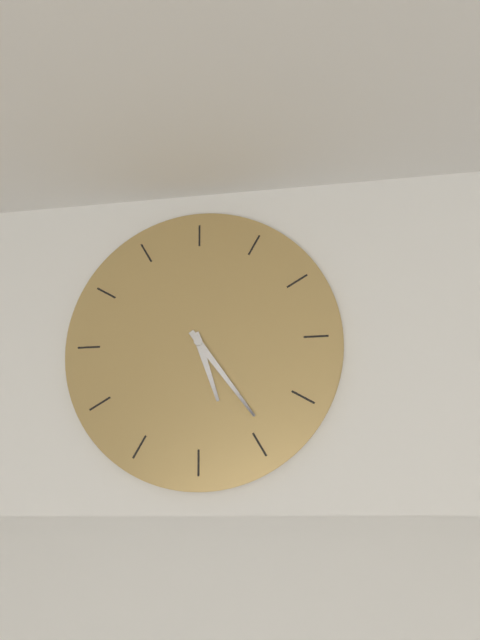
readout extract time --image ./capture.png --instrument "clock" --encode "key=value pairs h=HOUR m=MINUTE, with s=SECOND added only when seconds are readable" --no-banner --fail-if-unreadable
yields h=5 m=24
